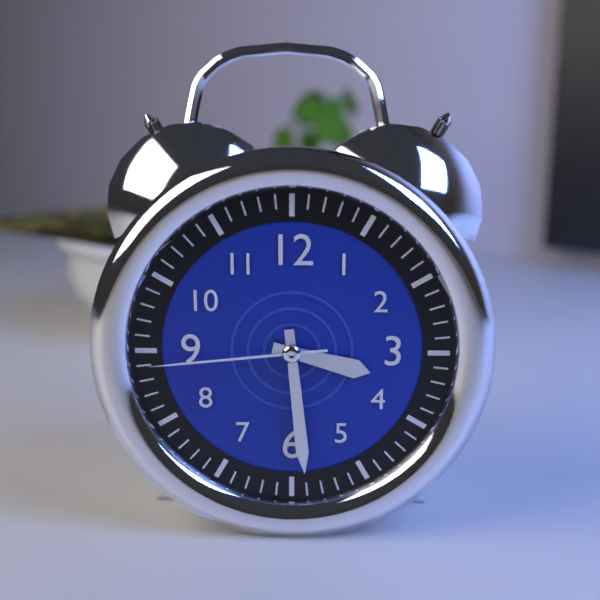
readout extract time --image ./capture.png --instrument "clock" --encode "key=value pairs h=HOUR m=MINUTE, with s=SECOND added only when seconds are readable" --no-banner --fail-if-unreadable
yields h=3 m=29 s=44
